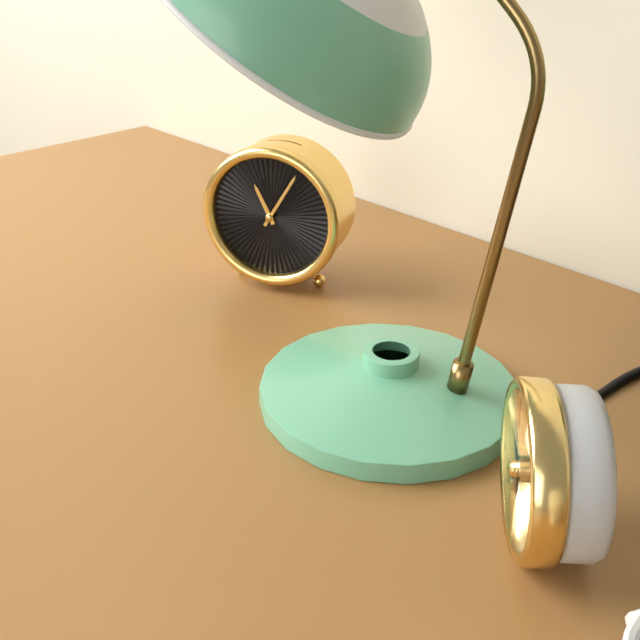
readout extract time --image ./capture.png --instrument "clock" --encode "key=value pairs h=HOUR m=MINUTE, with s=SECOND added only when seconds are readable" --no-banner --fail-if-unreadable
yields h=11 m=5
